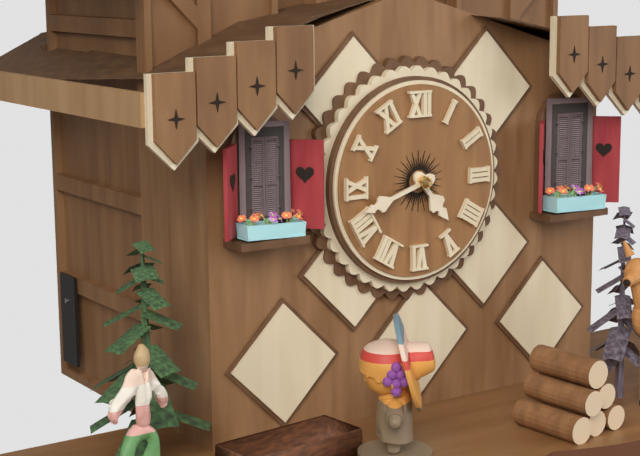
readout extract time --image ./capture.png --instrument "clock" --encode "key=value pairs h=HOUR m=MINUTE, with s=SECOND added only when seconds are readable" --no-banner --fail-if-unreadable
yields h=4 m=42
